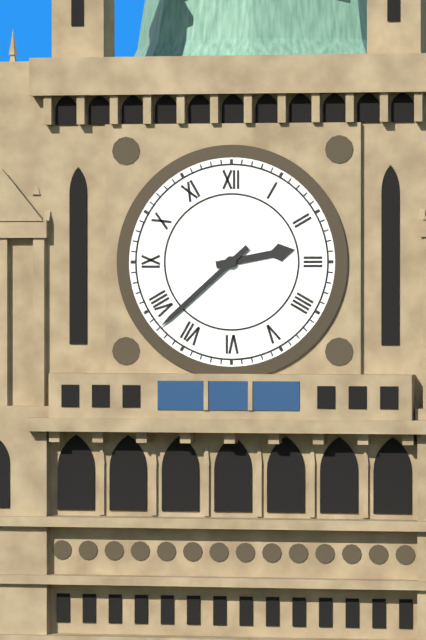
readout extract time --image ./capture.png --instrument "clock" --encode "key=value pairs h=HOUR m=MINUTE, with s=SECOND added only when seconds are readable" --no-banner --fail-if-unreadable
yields h=2 m=38
